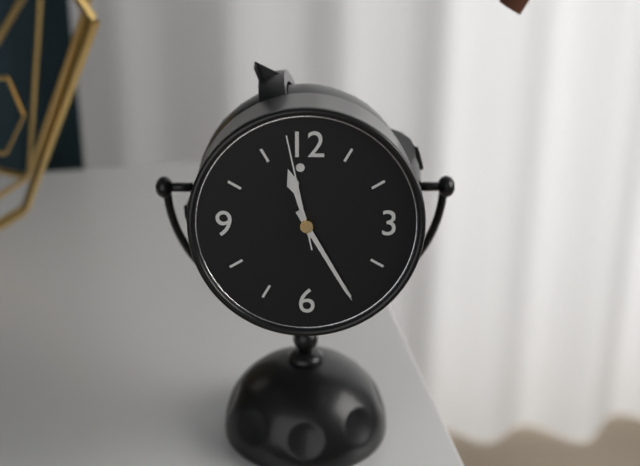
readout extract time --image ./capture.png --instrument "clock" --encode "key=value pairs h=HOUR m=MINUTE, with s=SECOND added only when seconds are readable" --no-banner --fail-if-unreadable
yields h=11 m=25 s=58
